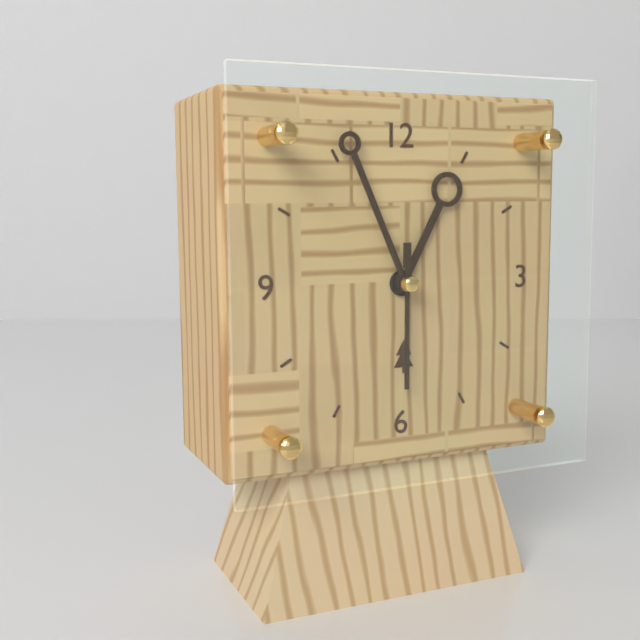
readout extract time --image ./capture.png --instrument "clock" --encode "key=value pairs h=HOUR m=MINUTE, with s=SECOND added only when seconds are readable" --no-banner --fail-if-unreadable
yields h=12 m=56 s=30
